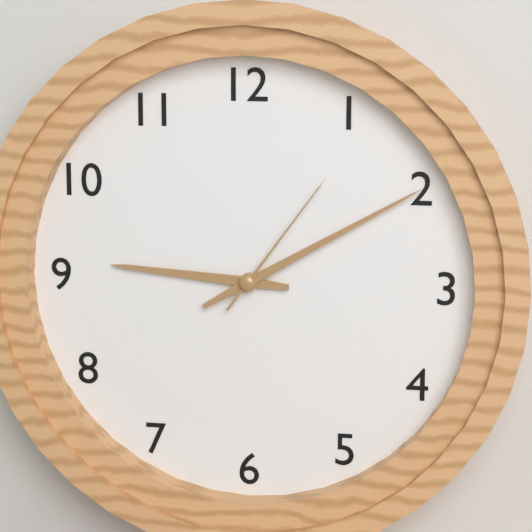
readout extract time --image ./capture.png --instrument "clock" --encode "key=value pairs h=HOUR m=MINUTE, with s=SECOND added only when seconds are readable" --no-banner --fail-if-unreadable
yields h=9 m=10 s=6
